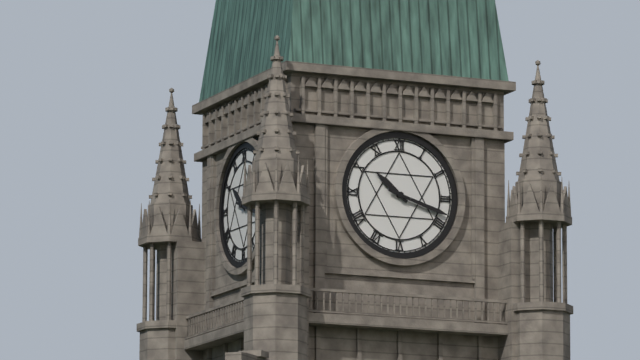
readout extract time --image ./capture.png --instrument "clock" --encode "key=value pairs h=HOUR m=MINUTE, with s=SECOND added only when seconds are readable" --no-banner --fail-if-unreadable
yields h=10 m=18
